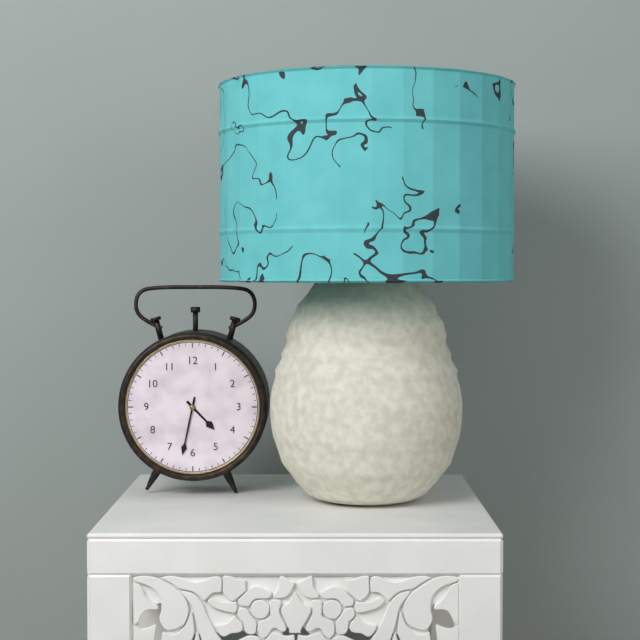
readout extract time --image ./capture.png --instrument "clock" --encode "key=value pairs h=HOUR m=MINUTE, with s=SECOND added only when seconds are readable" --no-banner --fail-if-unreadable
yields h=4 m=32
